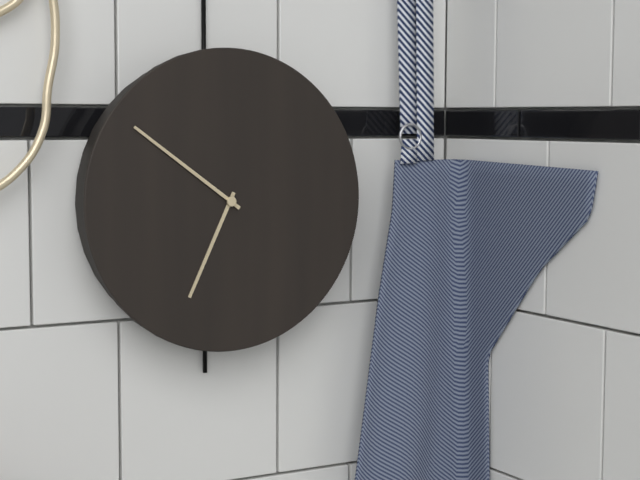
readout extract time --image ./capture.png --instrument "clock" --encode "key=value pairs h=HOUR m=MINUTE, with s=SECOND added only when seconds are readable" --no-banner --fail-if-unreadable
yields h=6 m=51
